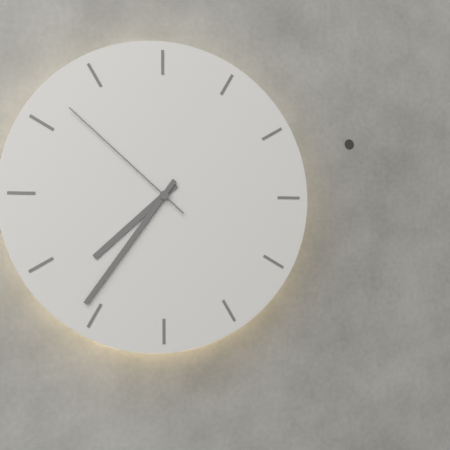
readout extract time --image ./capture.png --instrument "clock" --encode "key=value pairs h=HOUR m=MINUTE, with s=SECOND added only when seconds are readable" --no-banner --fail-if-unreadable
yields h=7 m=36 s=52
